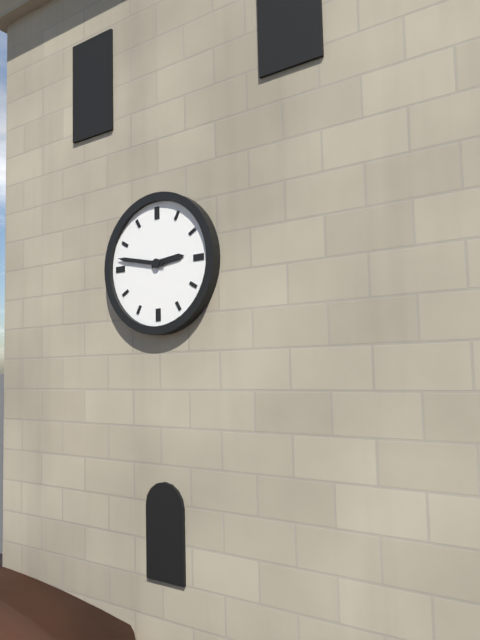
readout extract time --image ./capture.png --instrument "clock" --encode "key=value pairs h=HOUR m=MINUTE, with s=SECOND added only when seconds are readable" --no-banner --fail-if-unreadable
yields h=2 m=47
